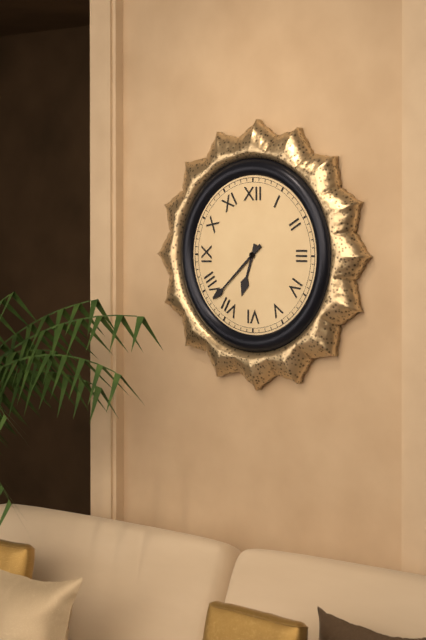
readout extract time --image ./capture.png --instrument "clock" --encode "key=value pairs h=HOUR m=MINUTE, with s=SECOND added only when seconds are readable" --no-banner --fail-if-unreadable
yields h=6 m=38
